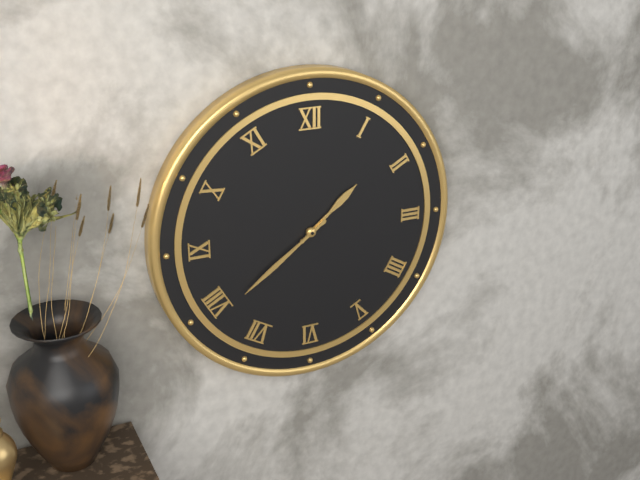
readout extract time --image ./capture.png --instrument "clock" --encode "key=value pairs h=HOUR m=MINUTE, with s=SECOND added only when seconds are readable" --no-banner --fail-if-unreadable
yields h=1 m=39
